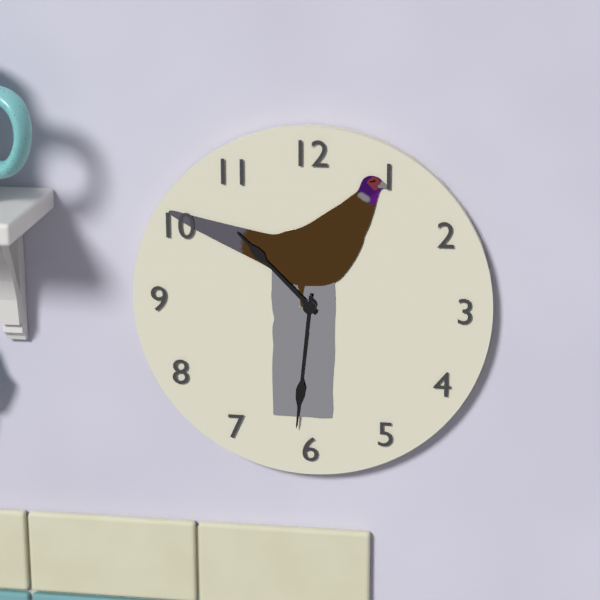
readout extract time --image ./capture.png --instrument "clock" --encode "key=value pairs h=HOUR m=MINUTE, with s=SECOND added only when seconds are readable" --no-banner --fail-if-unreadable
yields h=10 m=31
